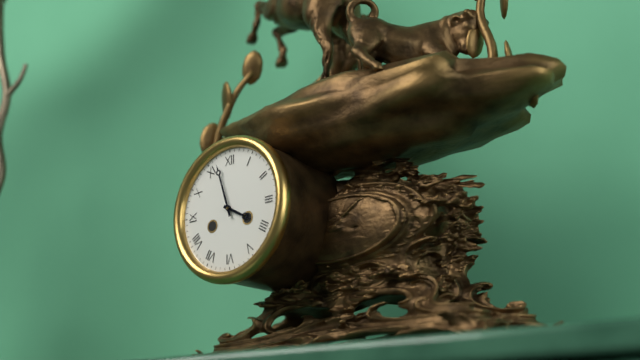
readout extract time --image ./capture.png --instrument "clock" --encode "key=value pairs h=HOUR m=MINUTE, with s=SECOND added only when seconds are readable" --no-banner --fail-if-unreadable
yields h=3 m=57
